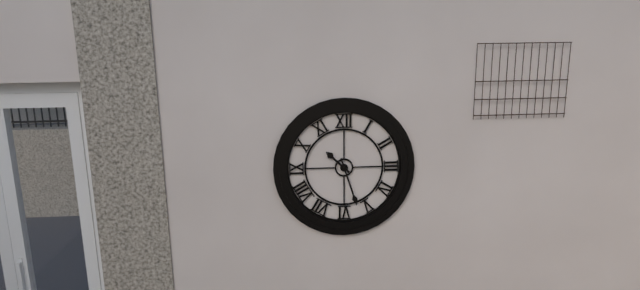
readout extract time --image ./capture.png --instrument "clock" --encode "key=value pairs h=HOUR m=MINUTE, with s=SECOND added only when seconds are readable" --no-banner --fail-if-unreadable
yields h=10 m=27
